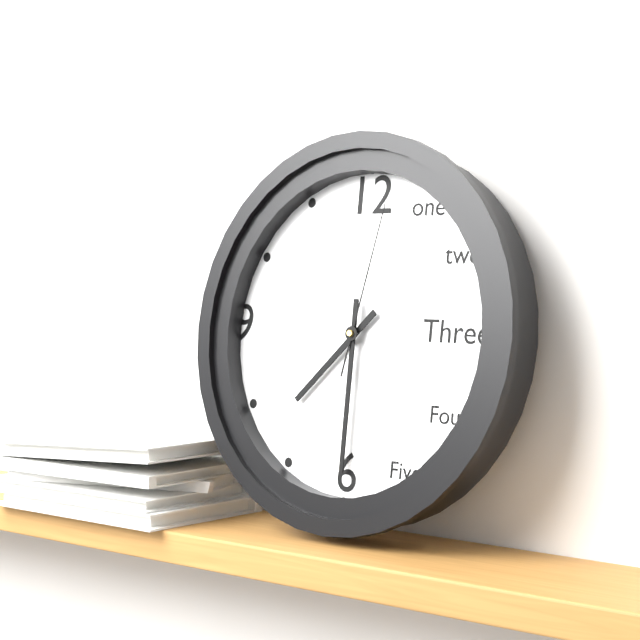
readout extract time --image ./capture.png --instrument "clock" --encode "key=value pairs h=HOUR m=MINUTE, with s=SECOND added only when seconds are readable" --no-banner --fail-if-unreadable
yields h=7 m=30 s=2
